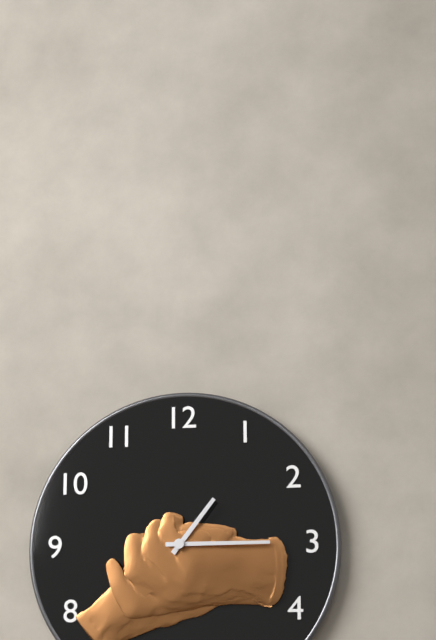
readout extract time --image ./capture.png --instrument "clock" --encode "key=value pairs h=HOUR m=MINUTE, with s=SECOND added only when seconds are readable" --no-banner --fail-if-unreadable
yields h=1 m=15
